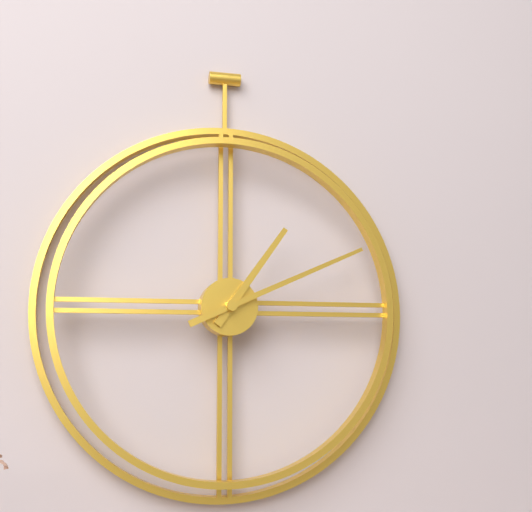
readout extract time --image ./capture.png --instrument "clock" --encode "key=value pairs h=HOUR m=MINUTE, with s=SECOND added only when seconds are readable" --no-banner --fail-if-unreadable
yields h=1 m=11
